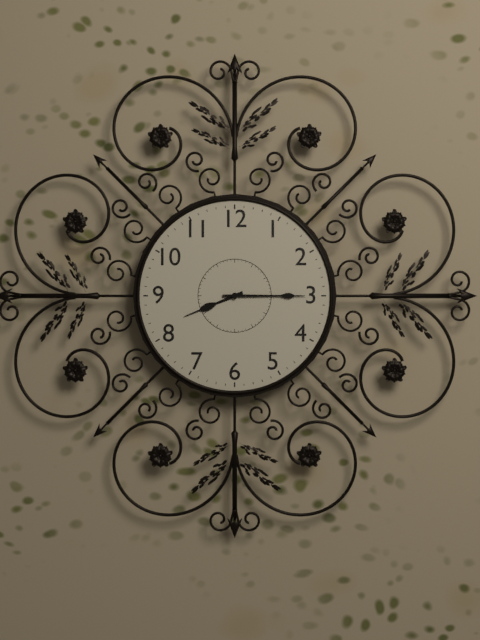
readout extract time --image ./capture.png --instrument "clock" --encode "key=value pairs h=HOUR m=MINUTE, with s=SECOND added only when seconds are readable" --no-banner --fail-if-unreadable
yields h=8 m=15
